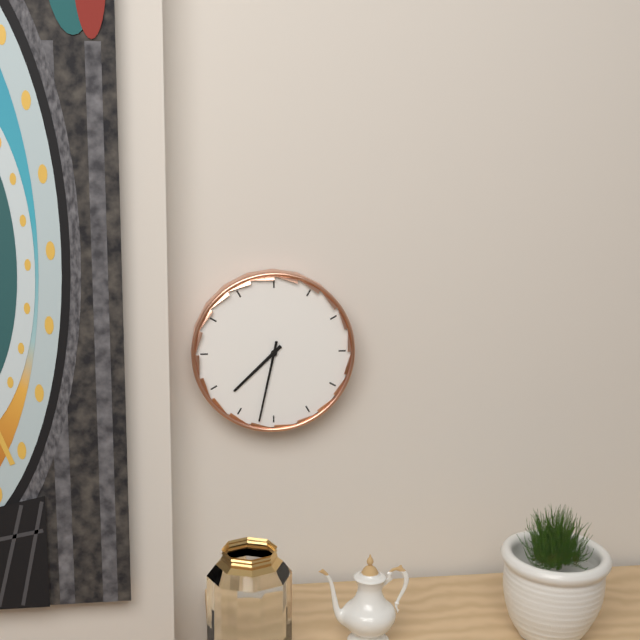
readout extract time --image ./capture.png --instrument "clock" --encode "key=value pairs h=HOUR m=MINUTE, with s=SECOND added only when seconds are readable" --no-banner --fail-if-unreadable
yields h=7 m=32
